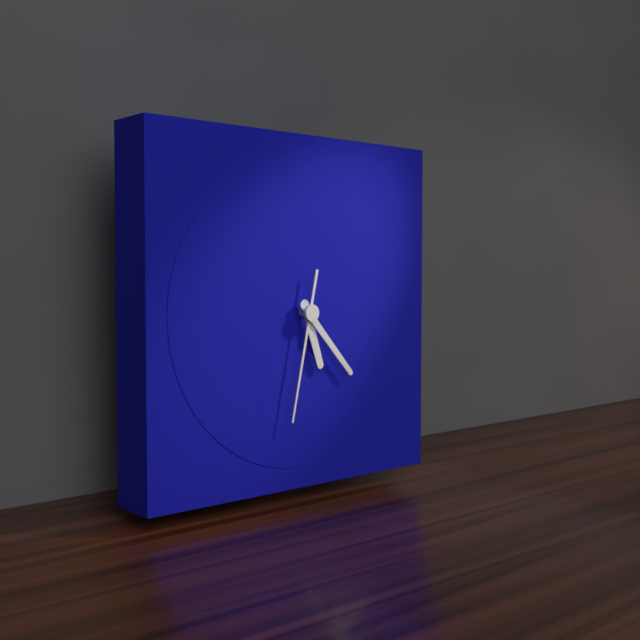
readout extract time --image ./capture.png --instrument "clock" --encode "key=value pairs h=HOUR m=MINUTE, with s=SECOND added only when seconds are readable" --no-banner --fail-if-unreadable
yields h=5 m=23 s=32
